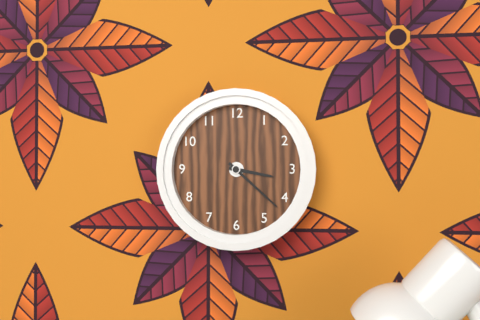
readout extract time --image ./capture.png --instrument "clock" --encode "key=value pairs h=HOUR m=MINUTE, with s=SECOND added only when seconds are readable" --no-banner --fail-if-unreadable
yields h=3 m=22
